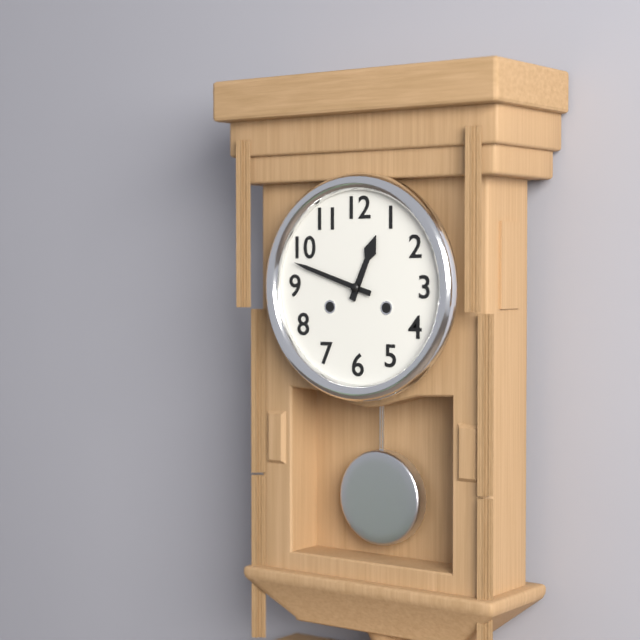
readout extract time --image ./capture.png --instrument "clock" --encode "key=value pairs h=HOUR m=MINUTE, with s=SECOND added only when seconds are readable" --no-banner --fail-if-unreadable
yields h=12 m=48
